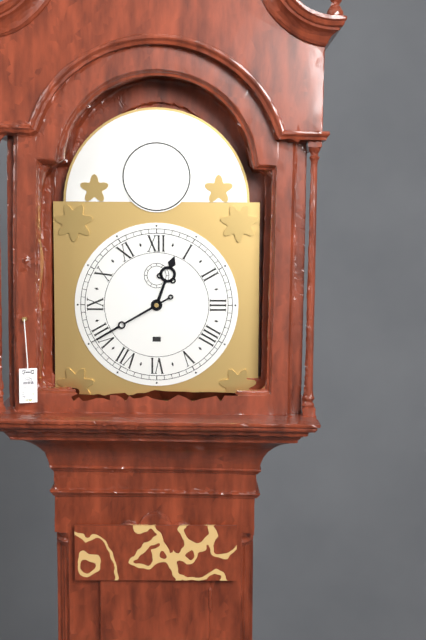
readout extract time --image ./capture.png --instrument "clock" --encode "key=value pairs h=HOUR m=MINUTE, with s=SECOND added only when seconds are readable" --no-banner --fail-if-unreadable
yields h=12 m=40
